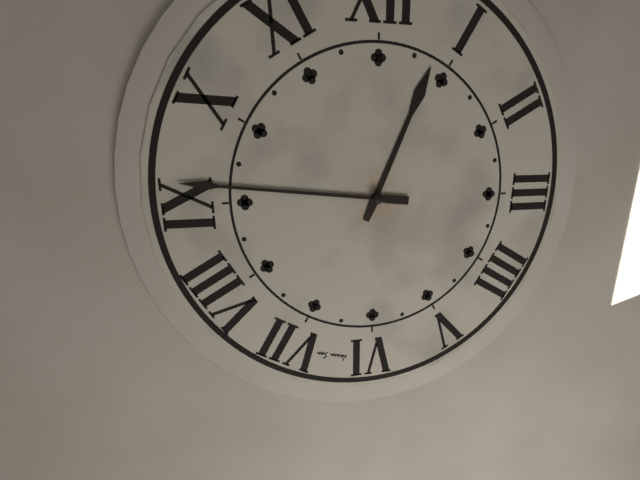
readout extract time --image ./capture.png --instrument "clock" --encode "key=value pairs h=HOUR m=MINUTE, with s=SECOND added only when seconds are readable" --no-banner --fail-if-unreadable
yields h=12 m=46
